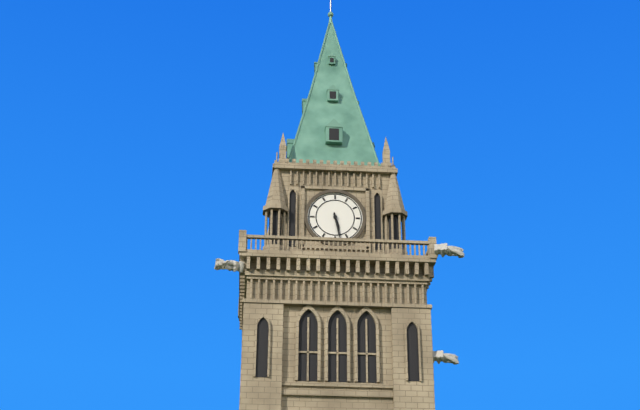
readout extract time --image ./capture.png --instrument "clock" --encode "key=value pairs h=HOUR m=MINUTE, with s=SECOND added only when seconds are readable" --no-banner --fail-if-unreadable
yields h=5 m=28
